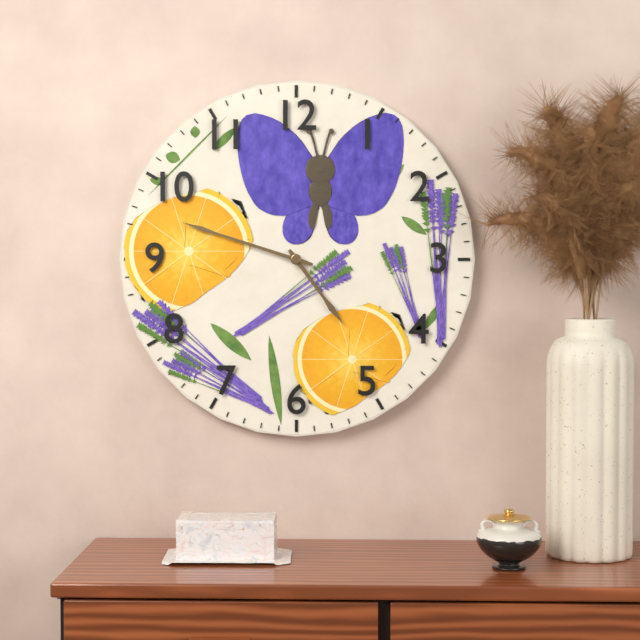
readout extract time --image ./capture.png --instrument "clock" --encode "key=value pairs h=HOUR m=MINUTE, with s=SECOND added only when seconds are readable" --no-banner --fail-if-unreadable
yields h=4 m=48
